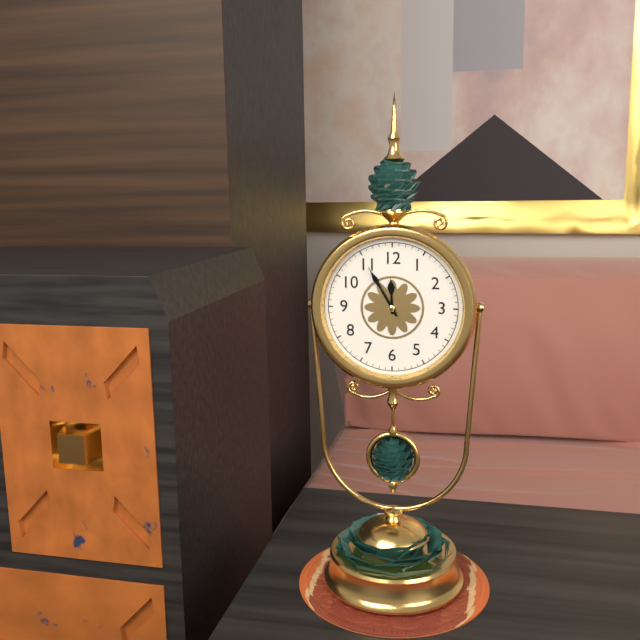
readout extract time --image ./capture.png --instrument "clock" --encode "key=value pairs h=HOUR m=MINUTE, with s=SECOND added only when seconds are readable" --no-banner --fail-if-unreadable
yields h=11 m=55
